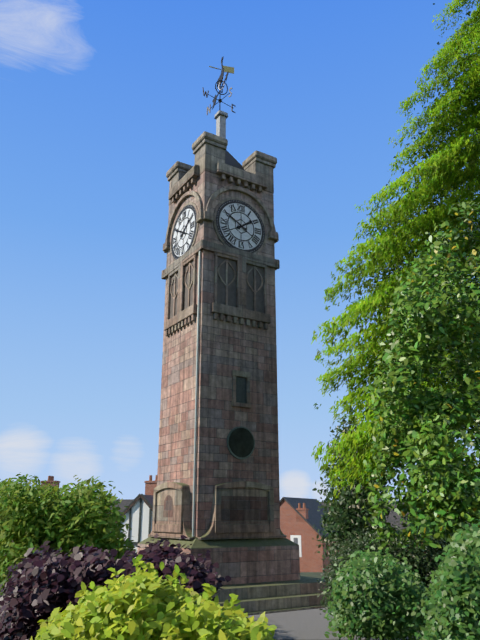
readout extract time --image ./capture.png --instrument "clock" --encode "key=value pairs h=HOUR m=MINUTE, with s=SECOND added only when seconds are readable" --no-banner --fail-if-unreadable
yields h=1 m=50
